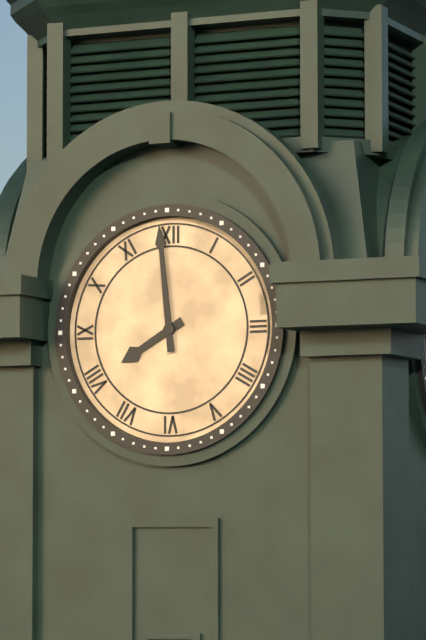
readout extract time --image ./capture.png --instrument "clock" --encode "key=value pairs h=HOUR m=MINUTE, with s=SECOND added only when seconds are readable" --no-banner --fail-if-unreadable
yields h=7 m=59
